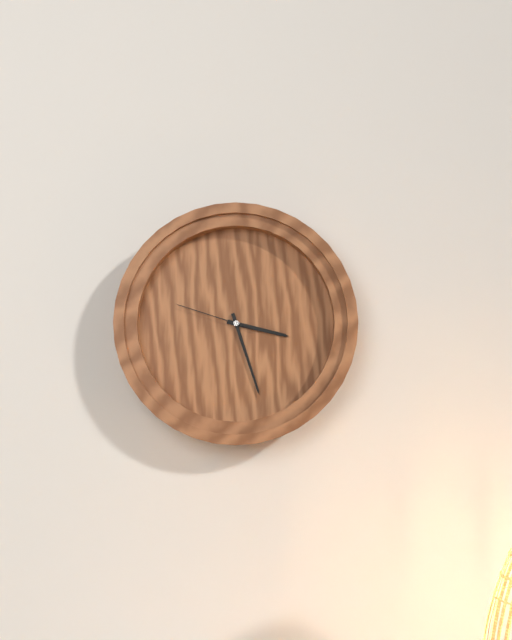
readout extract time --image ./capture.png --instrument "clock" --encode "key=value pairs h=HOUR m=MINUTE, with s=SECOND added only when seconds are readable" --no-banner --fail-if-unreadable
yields h=3 m=27 s=48
